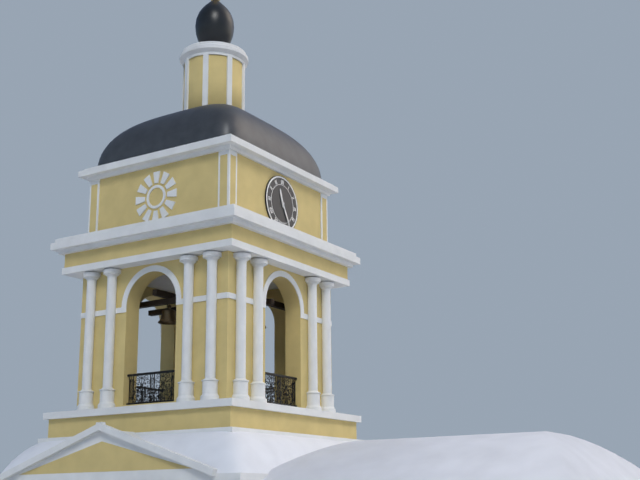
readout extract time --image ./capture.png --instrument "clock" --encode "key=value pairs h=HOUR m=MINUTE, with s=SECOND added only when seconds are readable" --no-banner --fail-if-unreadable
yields h=11 m=25
